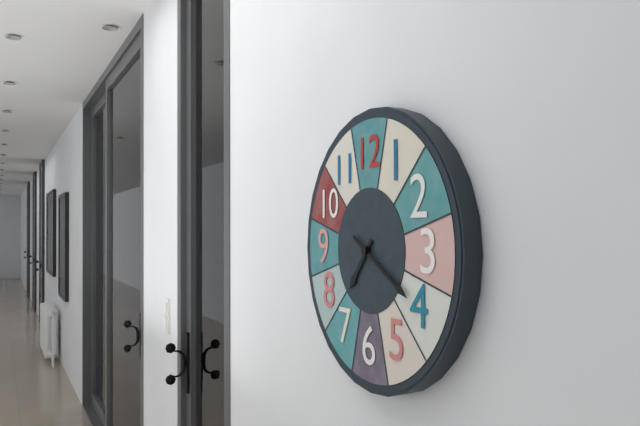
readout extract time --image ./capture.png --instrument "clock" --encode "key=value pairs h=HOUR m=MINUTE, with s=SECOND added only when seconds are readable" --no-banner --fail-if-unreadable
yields h=7 m=20
